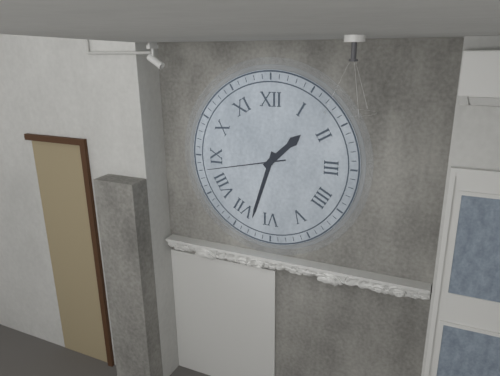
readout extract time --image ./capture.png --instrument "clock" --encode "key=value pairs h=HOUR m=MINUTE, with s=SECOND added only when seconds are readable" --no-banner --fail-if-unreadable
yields h=1 m=33 s=43
